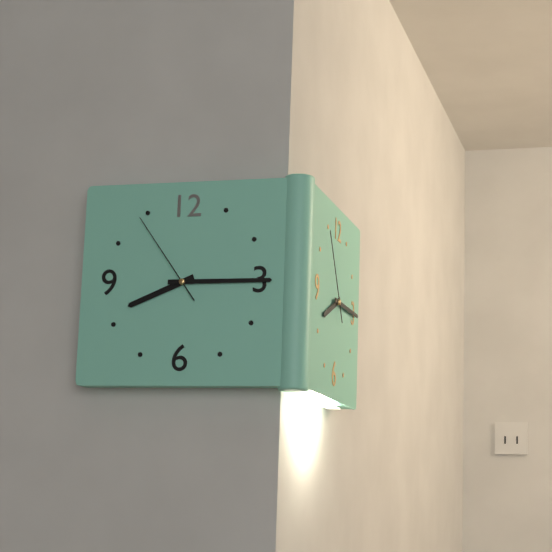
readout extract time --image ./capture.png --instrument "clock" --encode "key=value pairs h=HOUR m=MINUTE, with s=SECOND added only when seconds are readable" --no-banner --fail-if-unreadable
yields h=8 m=15 s=54
